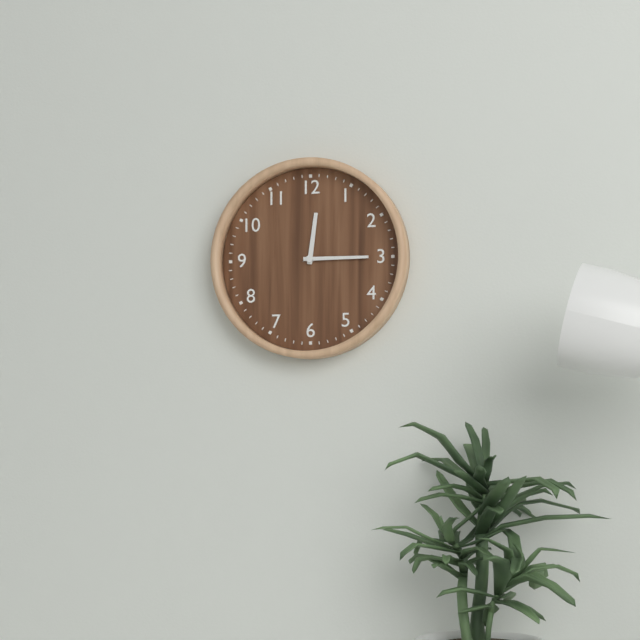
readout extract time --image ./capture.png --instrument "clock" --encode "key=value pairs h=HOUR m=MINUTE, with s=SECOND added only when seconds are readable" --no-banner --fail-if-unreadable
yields h=12 m=15
